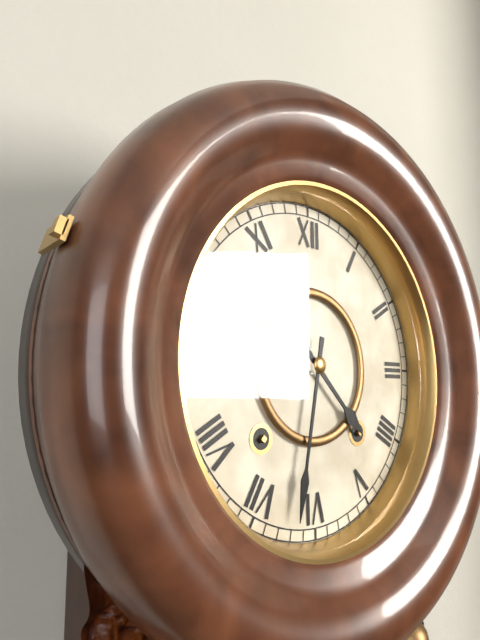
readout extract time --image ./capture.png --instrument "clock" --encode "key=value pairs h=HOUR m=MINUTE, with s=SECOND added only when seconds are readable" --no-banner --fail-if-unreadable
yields h=4 m=32
